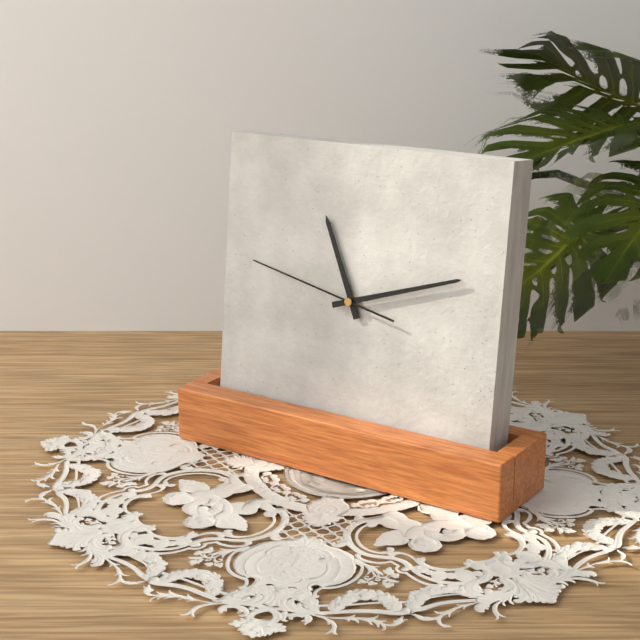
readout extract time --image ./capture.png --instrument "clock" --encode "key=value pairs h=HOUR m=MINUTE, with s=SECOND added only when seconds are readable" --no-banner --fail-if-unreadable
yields h=11 m=12 s=47
